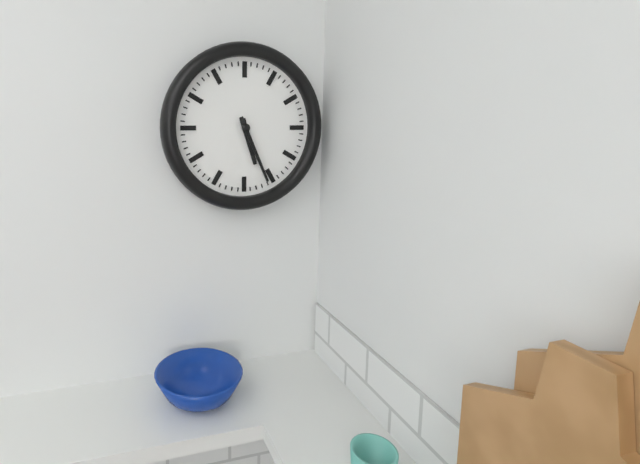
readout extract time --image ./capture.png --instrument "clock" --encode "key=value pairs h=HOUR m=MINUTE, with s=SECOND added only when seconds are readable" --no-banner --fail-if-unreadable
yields h=5 m=26
